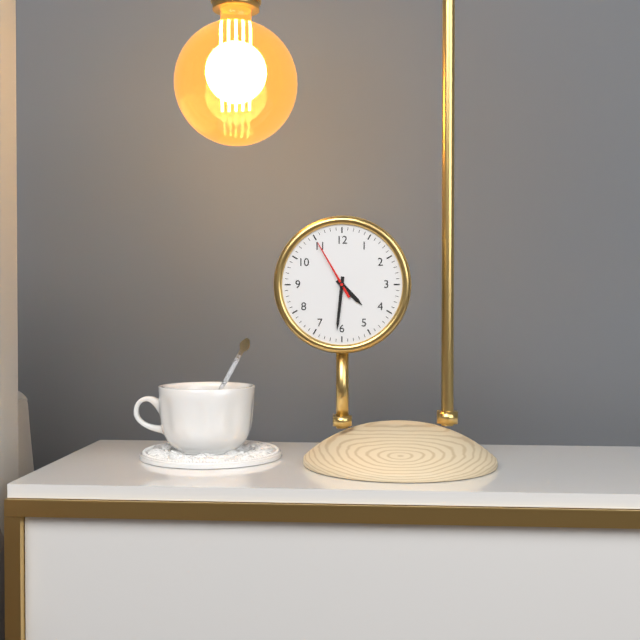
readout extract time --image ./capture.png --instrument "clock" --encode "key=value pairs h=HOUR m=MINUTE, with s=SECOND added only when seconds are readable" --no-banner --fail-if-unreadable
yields h=4 m=31 s=55
